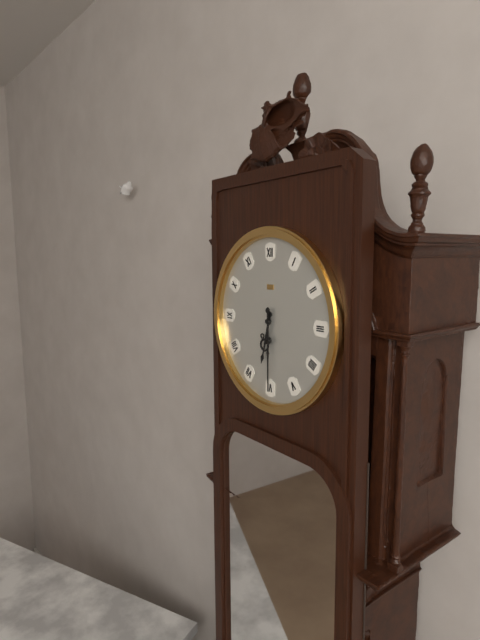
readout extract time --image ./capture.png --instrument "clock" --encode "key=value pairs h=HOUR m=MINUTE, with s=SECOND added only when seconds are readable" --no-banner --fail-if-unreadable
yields h=6 m=30
